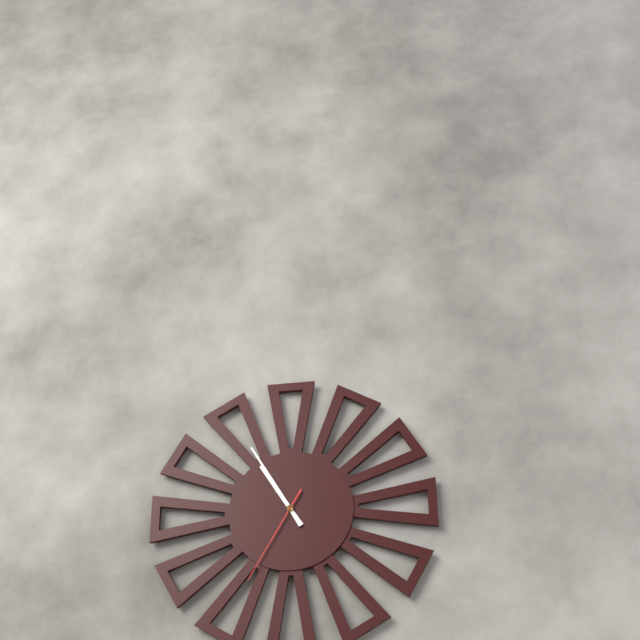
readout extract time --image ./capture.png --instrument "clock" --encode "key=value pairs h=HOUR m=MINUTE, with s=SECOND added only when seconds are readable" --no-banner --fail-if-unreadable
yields h=10 m=55 s=35
